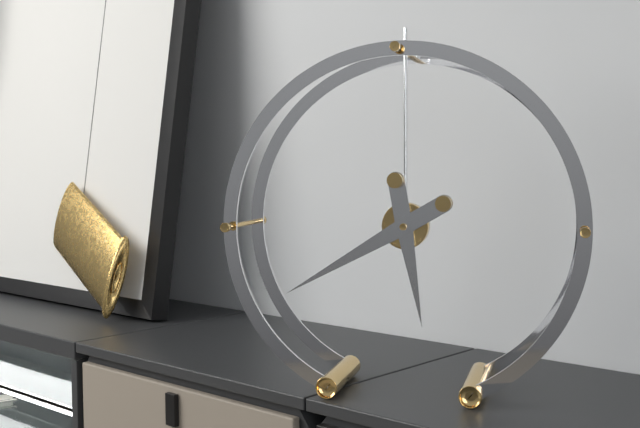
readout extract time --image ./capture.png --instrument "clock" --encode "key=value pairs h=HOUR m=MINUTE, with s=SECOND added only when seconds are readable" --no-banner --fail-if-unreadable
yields h=5 m=40
